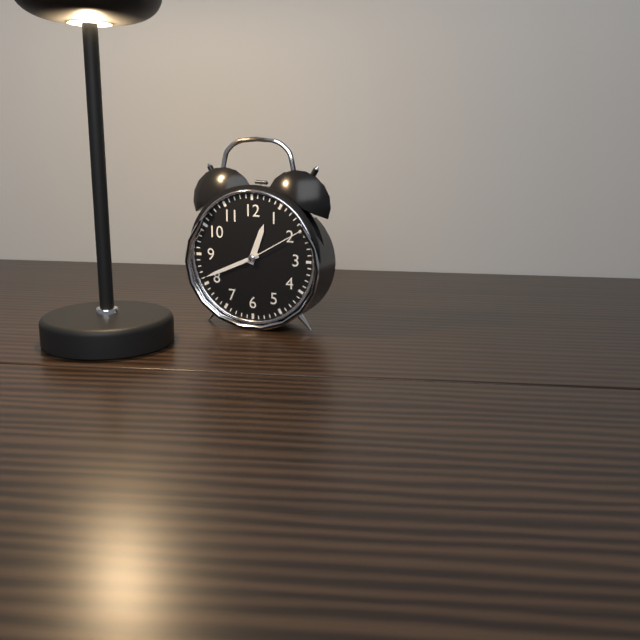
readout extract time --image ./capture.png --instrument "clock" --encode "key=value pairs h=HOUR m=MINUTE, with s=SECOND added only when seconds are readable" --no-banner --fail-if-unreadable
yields h=12 m=41 s=10
